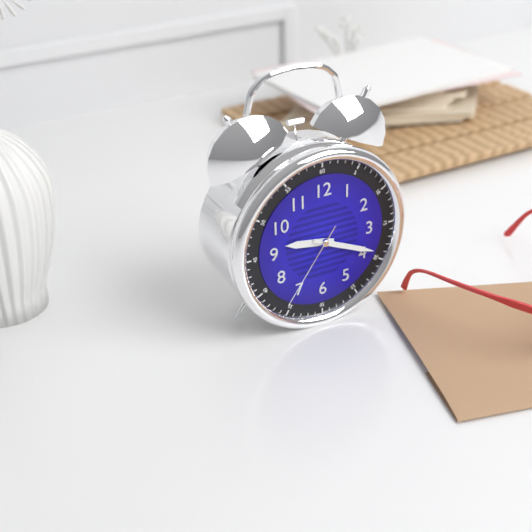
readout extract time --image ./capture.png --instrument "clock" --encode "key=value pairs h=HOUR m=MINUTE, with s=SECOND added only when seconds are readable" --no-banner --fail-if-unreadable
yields h=9 m=19 s=36
